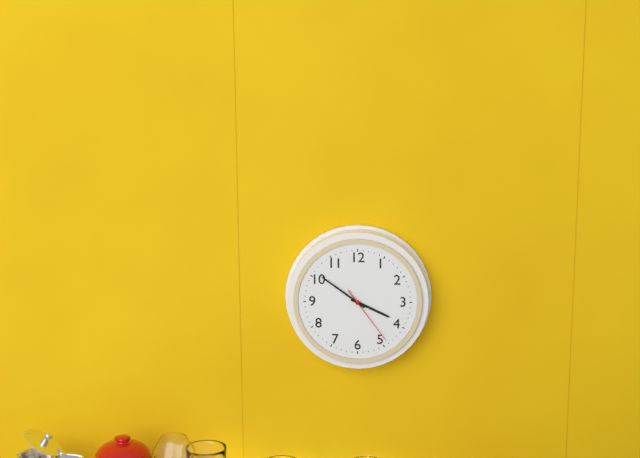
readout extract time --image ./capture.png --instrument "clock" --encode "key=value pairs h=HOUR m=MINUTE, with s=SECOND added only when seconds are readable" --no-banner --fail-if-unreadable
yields h=3 m=51 s=24
